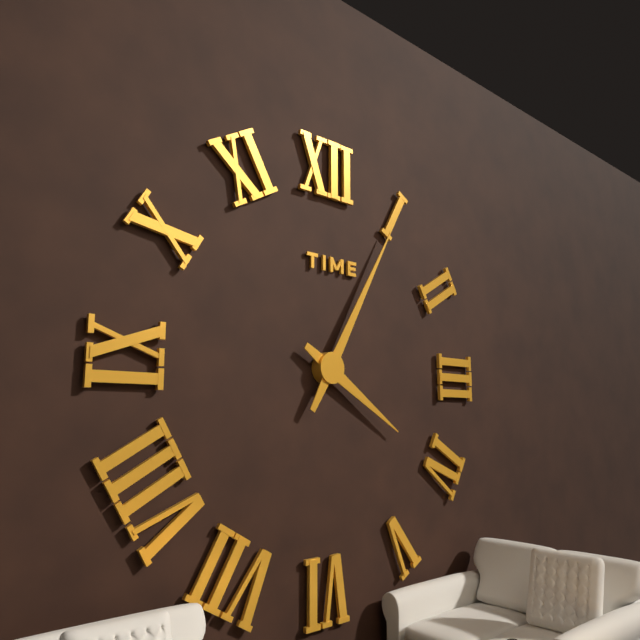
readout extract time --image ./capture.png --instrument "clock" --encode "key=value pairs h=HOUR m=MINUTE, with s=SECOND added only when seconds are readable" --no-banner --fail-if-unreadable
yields h=4 m=5
